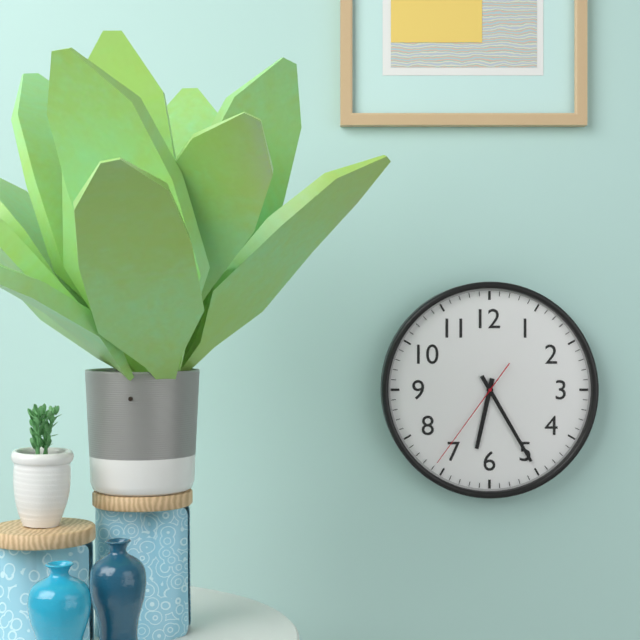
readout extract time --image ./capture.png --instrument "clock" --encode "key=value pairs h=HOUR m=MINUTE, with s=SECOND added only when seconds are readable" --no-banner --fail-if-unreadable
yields h=6 m=25 s=36
